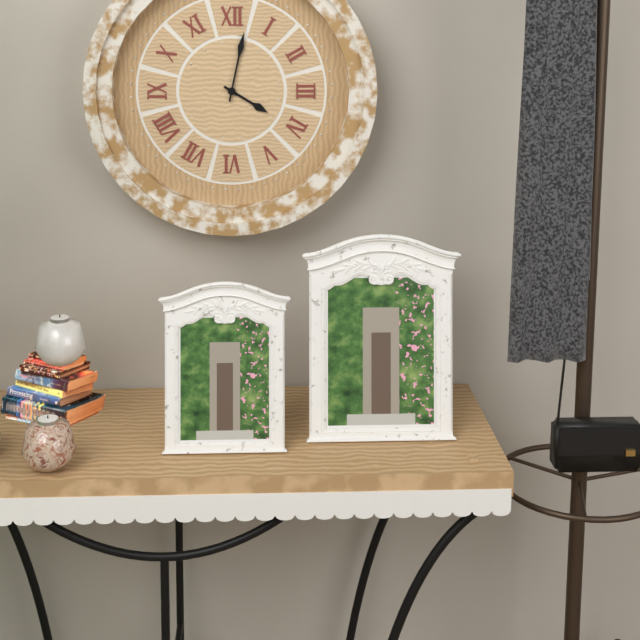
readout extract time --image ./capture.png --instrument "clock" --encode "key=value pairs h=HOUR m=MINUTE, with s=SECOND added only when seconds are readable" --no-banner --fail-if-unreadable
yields h=4 m=2
